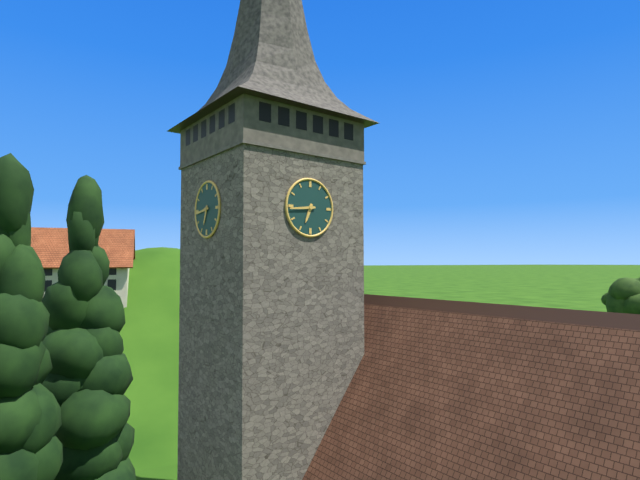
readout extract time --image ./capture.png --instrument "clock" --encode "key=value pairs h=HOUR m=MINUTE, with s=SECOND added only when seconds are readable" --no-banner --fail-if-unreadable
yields h=6 m=44
